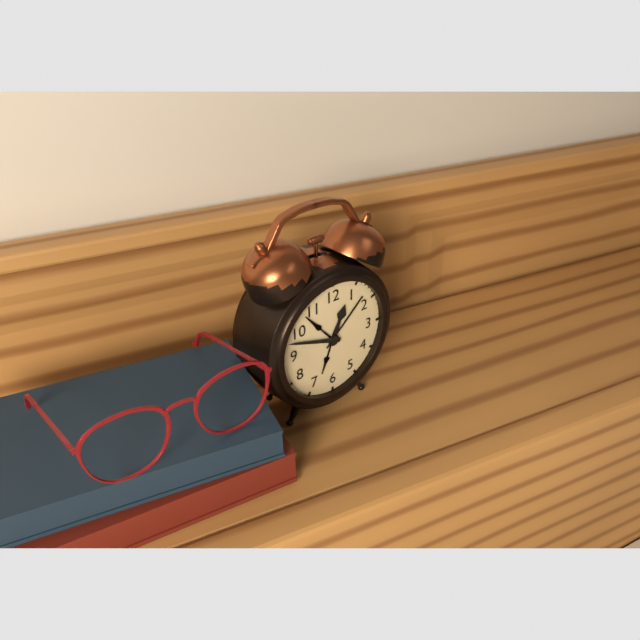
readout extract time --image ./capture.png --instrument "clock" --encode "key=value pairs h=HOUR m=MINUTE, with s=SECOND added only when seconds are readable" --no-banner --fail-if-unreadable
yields h=12 m=48
